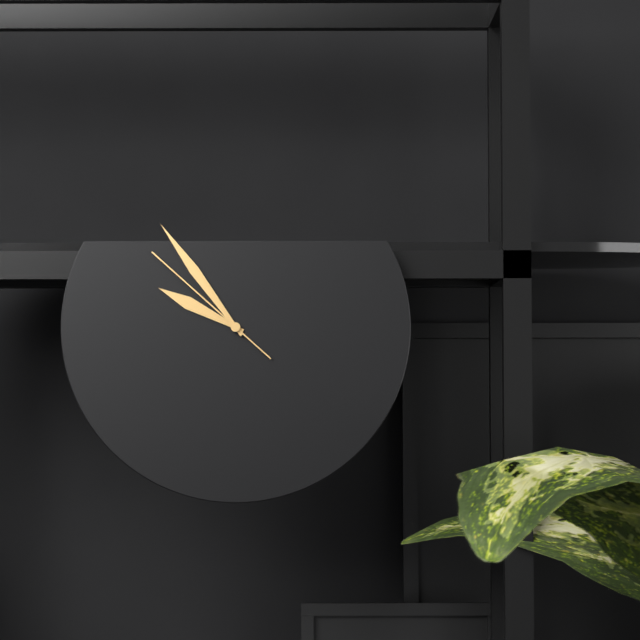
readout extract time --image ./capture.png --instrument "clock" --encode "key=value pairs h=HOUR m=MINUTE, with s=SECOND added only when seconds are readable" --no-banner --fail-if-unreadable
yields h=9 m=54 s=52
